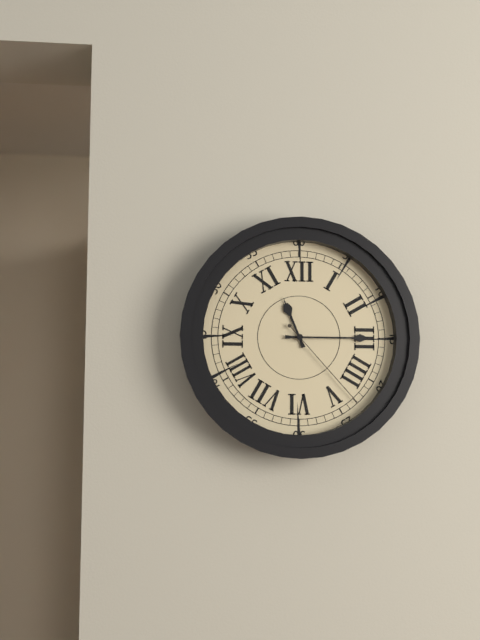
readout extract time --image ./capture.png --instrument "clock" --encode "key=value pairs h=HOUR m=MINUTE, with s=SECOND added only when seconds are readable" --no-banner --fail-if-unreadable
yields h=11 m=15 s=23
